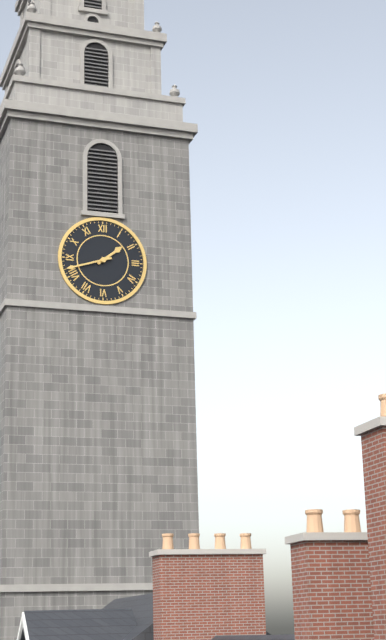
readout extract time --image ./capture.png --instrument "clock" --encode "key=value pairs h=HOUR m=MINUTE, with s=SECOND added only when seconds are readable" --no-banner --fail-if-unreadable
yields h=1 m=42
